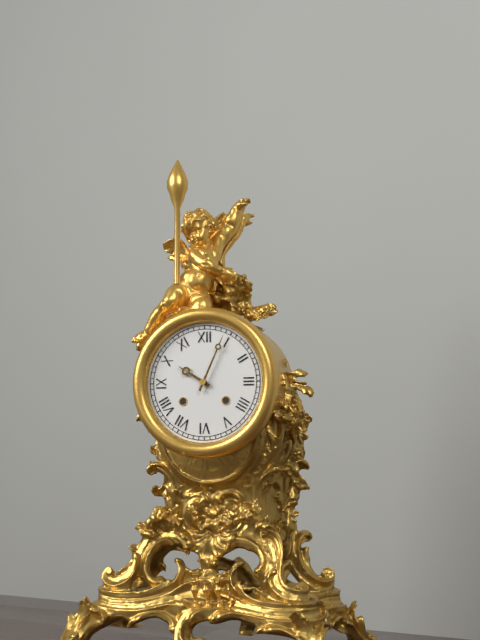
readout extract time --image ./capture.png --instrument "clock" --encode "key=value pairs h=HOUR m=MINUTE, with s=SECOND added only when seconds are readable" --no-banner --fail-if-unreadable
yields h=10 m=4
